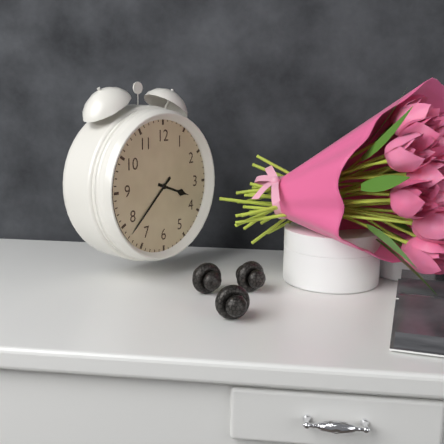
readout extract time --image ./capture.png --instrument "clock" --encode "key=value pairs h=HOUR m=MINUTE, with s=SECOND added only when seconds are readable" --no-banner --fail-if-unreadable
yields h=3 m=38
